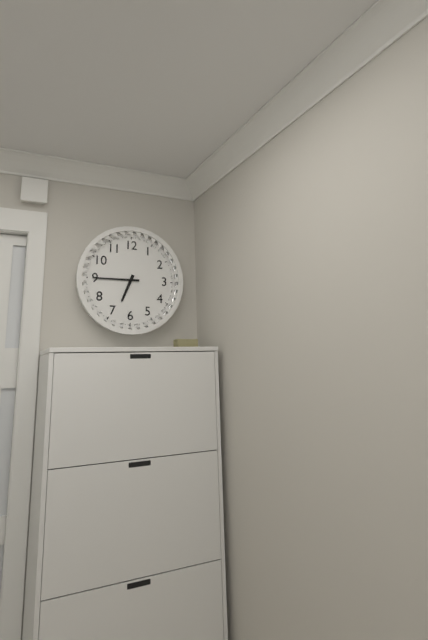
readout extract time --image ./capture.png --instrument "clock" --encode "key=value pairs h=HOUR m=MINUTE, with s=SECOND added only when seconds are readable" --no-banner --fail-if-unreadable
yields h=6 m=45
